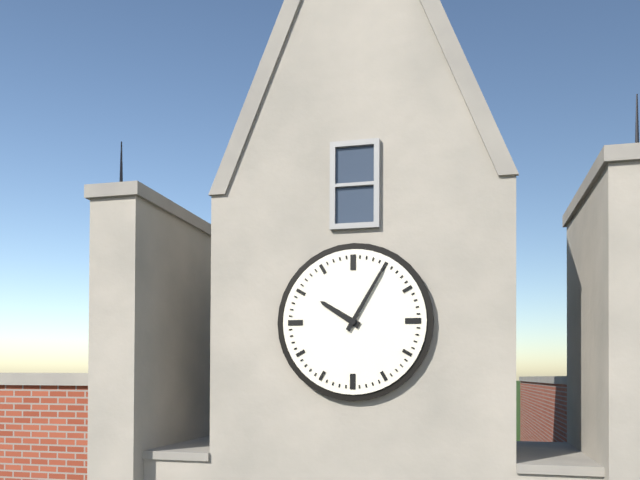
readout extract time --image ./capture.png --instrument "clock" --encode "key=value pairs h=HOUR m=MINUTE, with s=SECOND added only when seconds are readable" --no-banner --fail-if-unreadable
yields h=10 m=5
